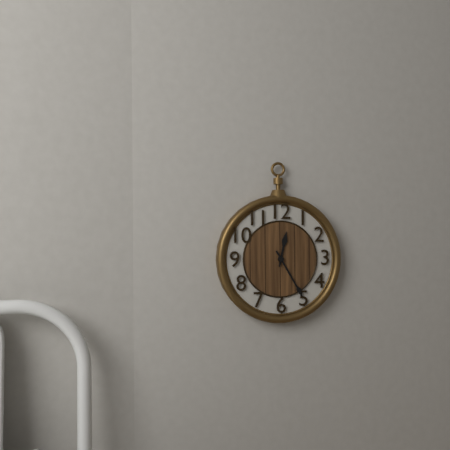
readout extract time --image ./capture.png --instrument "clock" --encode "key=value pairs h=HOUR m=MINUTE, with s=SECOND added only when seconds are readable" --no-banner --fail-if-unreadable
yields h=12 m=25
